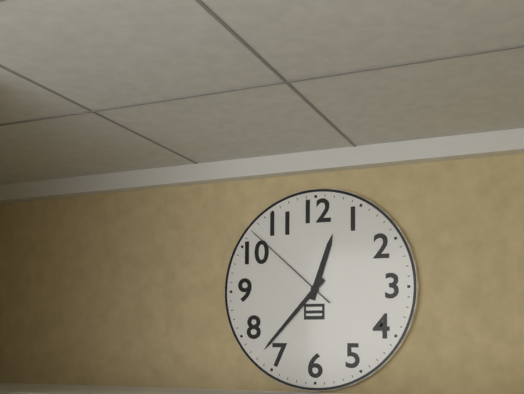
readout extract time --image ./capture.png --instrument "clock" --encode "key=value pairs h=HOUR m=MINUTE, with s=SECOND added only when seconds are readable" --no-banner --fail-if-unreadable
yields h=12 m=37 s=52
